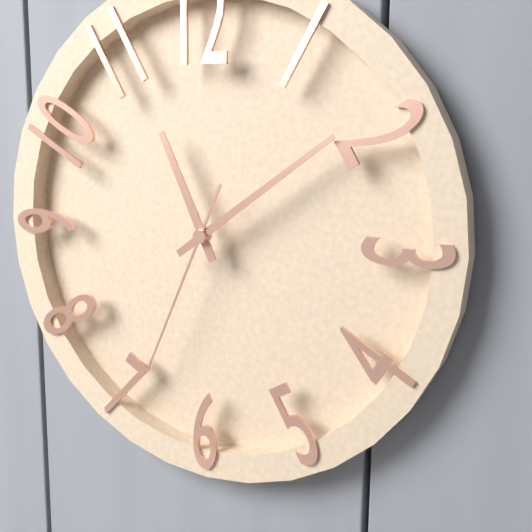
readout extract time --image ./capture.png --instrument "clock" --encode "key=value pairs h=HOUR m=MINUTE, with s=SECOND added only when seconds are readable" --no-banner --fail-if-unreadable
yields h=11 m=9 s=34
